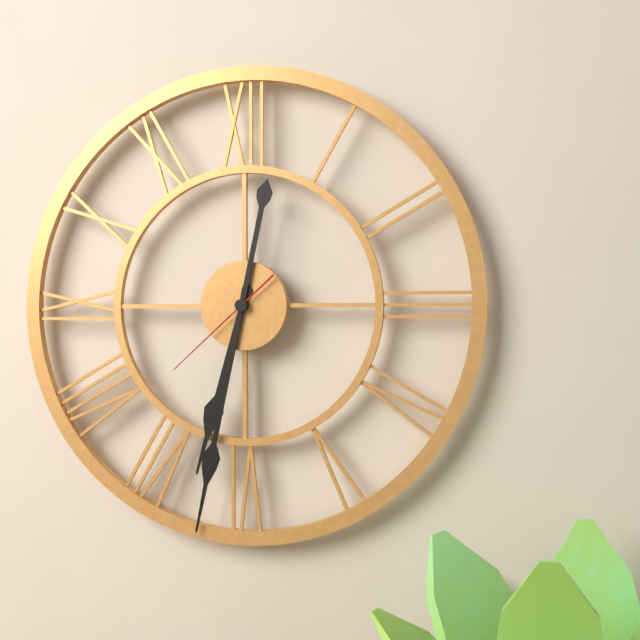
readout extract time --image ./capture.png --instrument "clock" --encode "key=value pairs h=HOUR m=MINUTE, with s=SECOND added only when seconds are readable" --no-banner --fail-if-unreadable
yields h=6 m=32 s=38
